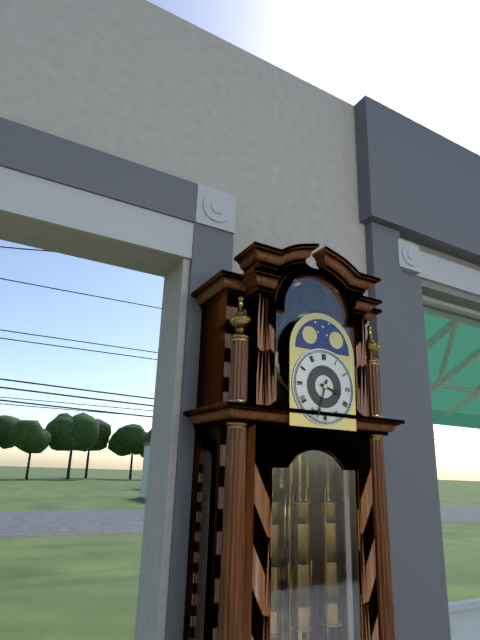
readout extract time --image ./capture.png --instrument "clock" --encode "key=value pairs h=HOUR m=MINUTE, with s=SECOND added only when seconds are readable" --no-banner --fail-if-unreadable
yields h=3 m=33
